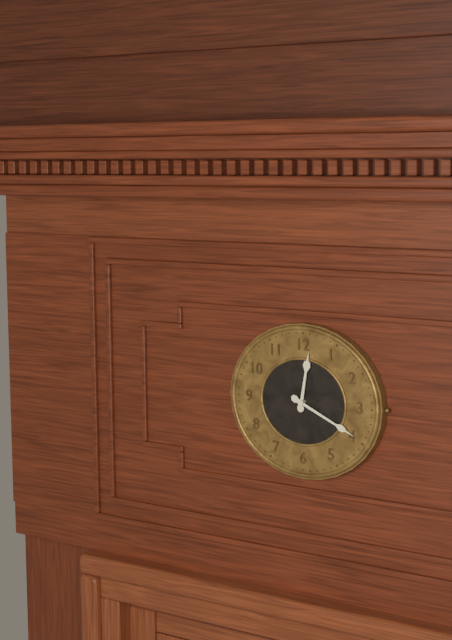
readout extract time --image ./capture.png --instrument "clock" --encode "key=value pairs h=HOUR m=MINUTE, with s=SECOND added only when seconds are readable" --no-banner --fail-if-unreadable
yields h=12 m=19
